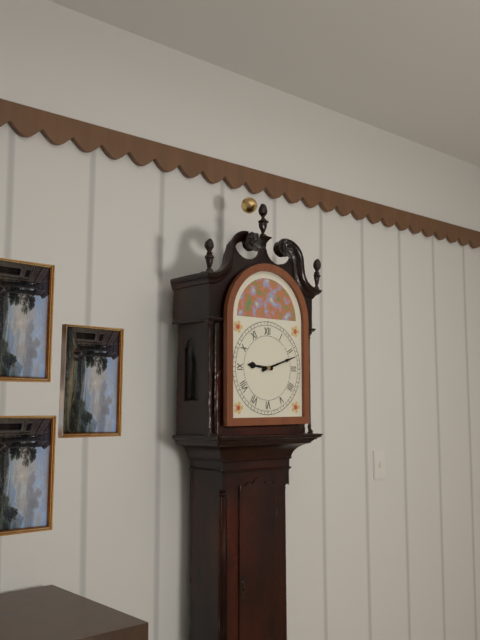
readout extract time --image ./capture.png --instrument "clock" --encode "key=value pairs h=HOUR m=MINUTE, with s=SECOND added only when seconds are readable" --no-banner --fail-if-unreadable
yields h=9 m=12
